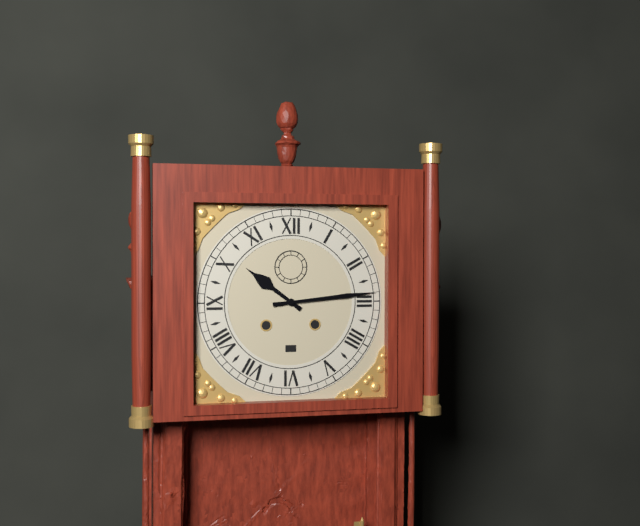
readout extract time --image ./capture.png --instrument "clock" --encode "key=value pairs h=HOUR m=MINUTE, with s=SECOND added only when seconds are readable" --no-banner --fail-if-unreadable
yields h=10 m=14
